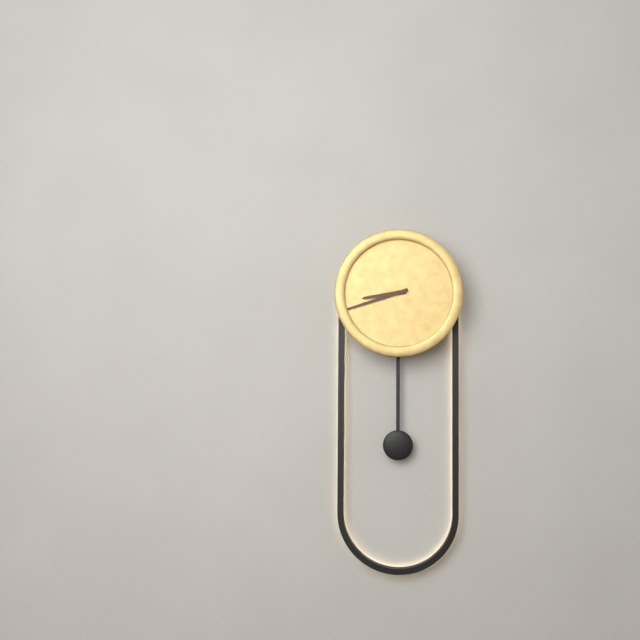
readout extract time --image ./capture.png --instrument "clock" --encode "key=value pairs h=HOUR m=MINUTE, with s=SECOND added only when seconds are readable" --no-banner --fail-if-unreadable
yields h=8 m=42
